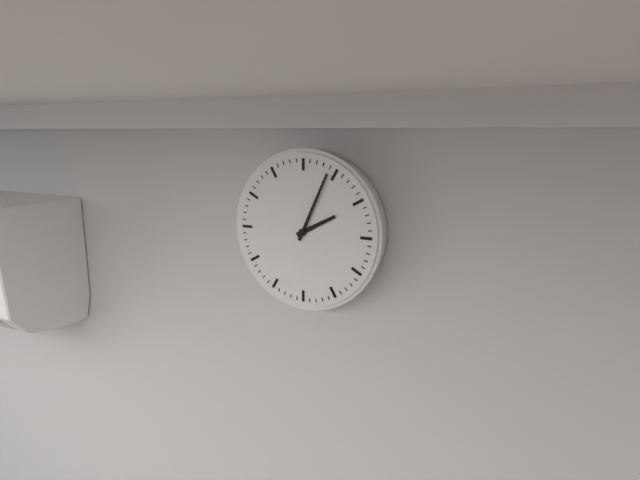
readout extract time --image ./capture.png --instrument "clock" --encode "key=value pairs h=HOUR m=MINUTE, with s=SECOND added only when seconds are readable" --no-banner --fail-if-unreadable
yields h=2 m=4
